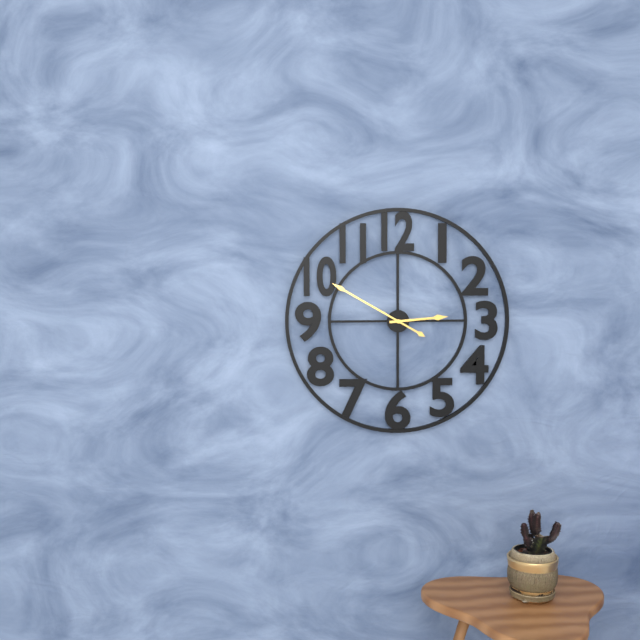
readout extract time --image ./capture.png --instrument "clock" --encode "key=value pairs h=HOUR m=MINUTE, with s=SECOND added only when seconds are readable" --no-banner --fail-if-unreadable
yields h=2 m=50
